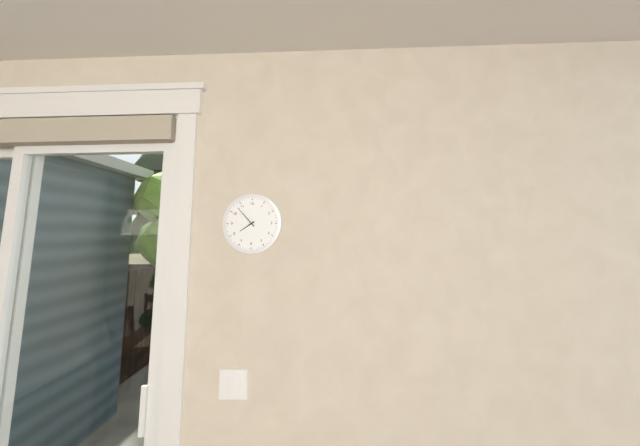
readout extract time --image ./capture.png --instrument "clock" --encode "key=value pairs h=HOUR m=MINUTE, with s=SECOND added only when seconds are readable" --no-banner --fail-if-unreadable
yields h=7 m=53
